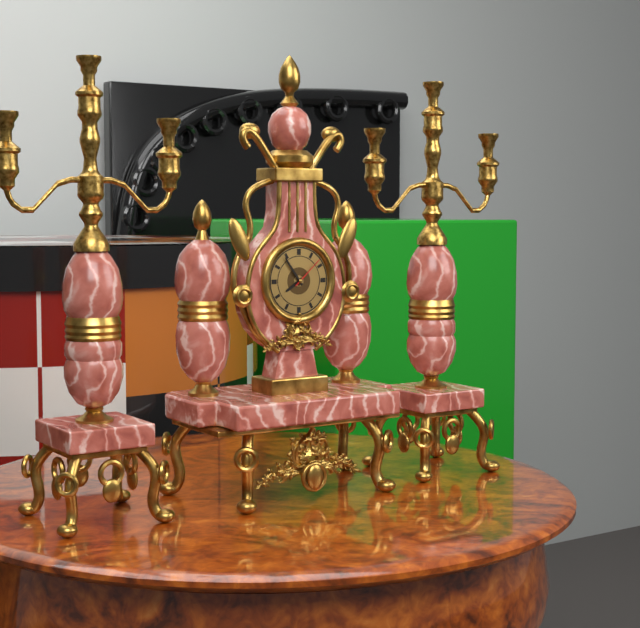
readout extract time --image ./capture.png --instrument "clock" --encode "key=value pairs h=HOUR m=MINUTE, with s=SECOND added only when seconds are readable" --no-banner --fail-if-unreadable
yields h=7 m=54
